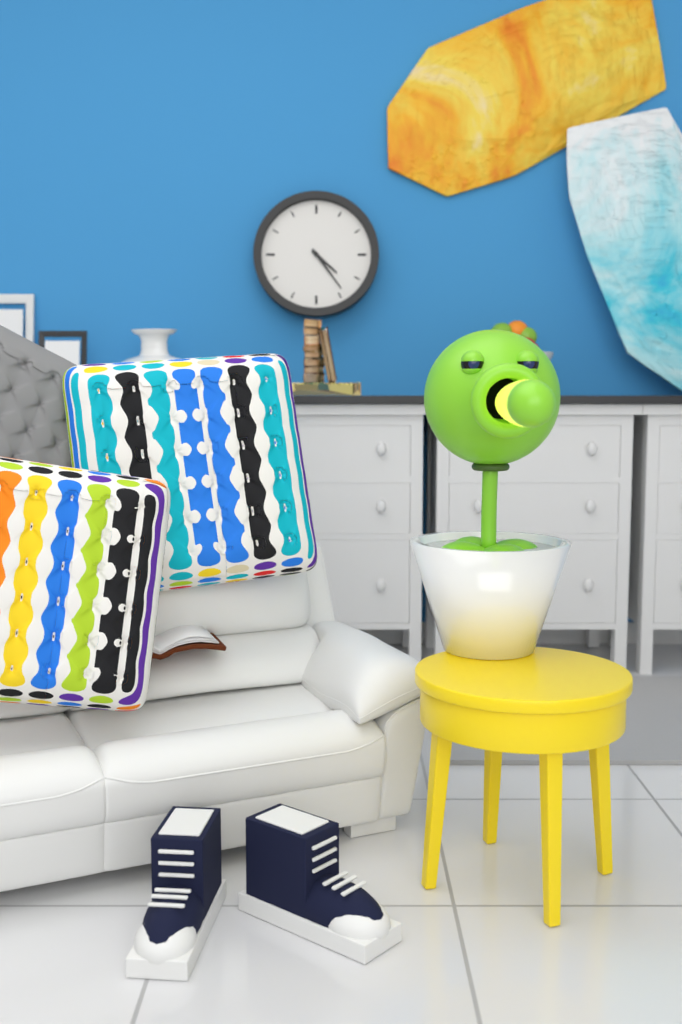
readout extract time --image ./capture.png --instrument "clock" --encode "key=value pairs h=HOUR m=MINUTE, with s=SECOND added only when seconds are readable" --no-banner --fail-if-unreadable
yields h=4 m=24
